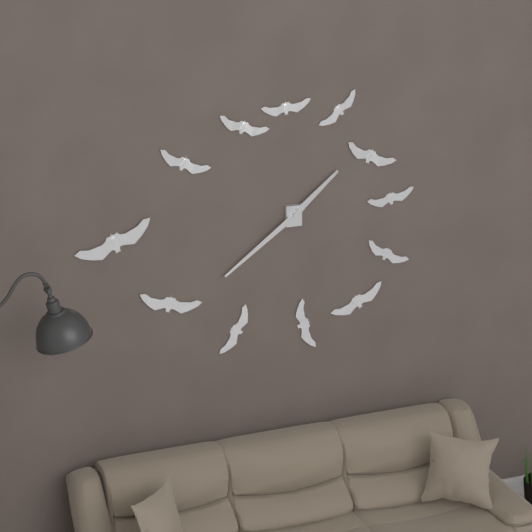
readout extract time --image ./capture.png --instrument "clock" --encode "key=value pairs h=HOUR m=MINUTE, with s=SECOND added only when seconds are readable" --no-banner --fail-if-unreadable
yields h=1 m=39
